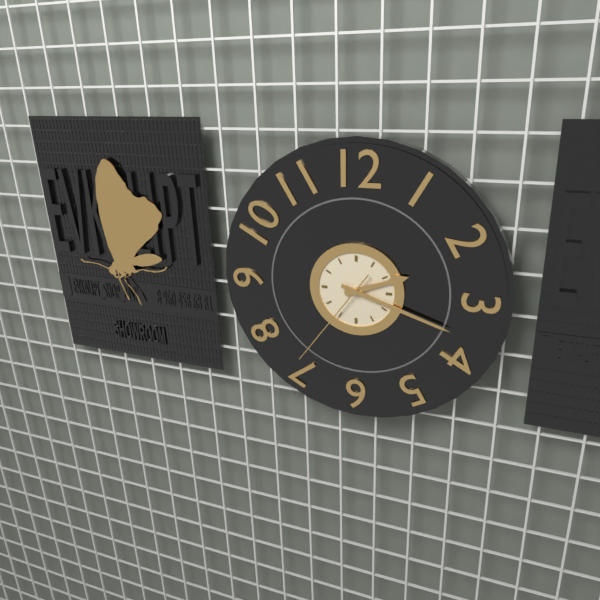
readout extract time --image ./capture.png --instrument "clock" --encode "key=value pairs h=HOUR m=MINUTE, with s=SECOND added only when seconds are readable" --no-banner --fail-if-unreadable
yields h=2 m=18 s=36
